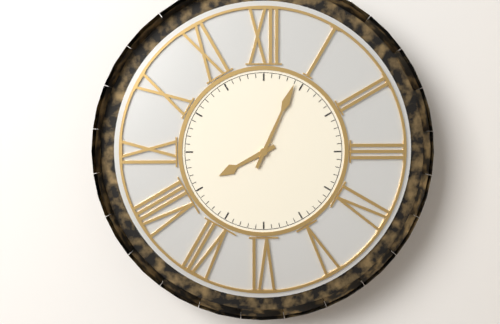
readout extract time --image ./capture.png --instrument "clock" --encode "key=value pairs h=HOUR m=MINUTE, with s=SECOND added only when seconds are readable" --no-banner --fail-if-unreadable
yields h=8 m=4
